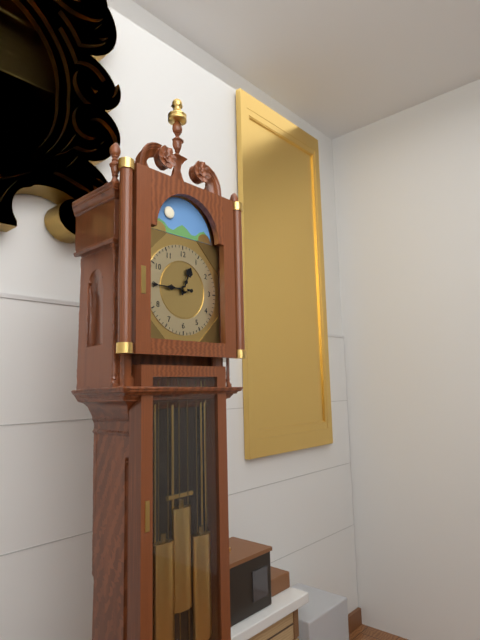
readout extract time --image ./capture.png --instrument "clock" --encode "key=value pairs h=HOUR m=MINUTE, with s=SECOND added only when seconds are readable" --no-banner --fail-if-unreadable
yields h=12 m=45
